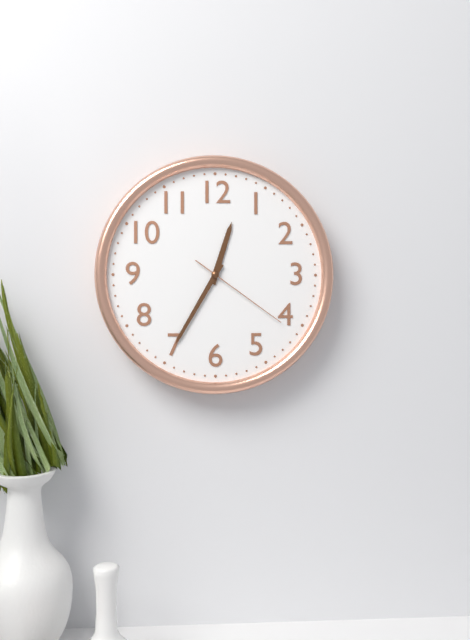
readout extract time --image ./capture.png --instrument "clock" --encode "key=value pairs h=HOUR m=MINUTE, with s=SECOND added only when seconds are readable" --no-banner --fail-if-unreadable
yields h=12 m=35 s=21
